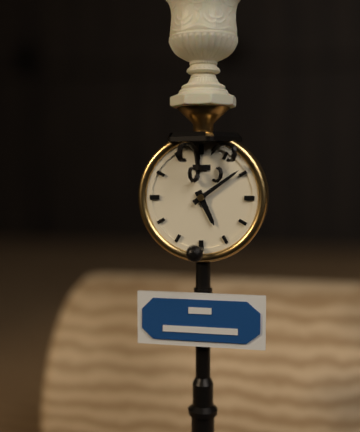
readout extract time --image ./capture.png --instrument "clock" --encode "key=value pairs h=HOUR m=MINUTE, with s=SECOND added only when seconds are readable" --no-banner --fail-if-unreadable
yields h=5 m=9
